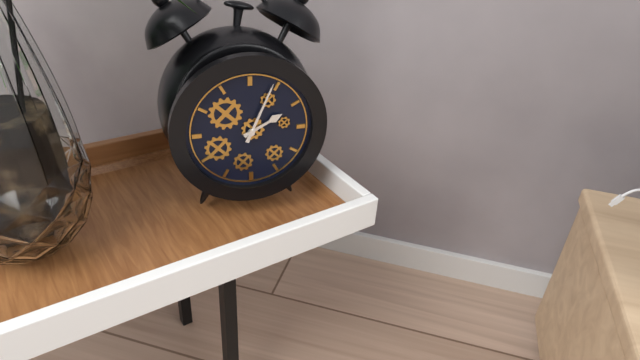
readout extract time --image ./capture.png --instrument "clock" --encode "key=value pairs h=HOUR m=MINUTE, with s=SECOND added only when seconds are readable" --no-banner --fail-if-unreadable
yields h=2 m=4
